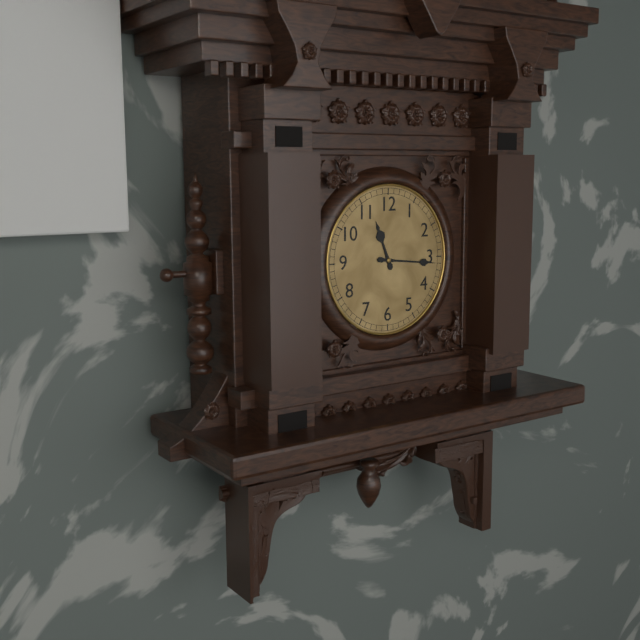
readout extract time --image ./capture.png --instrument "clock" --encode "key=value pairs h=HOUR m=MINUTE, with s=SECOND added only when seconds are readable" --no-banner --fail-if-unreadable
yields h=11 m=16
